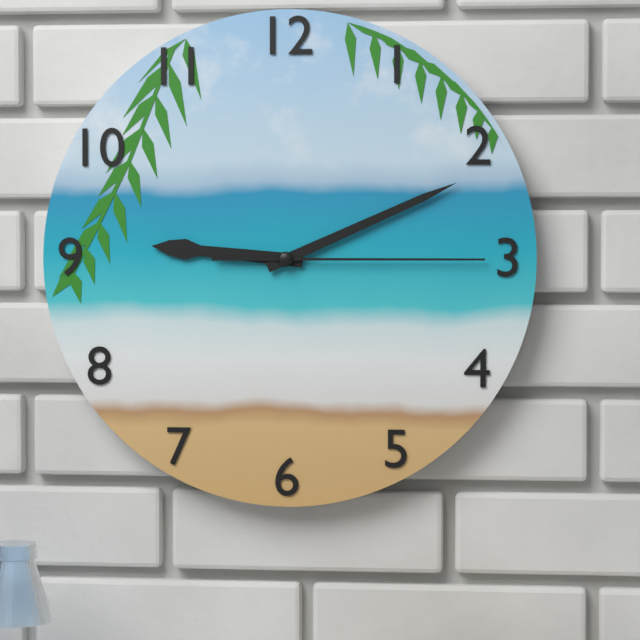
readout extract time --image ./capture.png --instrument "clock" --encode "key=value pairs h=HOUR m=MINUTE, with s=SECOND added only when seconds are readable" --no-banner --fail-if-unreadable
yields h=9 m=11 s=15
